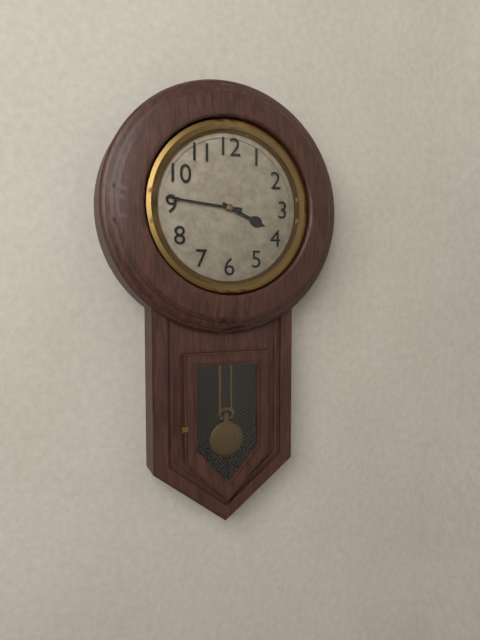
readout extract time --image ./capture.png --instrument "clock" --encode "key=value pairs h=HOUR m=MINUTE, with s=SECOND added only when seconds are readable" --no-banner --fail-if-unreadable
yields h=3 m=46
